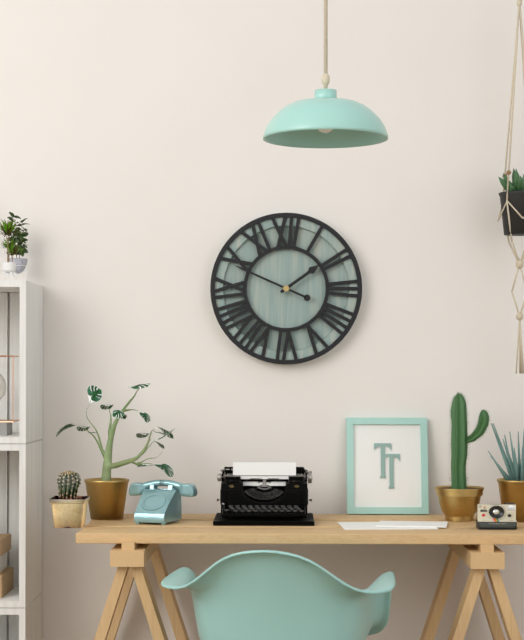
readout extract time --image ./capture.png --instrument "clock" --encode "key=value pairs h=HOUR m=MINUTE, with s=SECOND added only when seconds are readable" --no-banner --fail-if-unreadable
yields h=1 m=49
